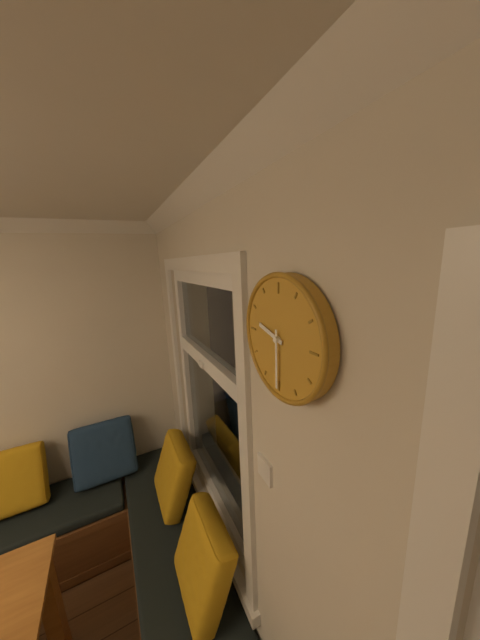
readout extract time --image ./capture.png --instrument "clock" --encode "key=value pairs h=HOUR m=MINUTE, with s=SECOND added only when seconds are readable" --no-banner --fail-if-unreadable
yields h=9 m=30
